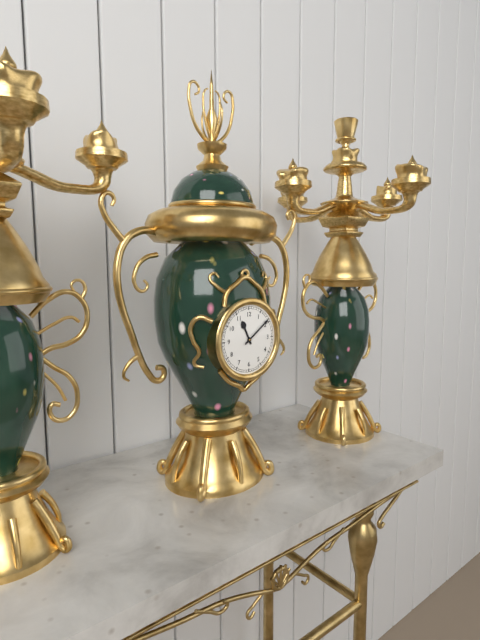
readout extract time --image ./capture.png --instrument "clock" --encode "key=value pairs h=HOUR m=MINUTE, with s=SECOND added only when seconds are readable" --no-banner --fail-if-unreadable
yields h=11 m=9
